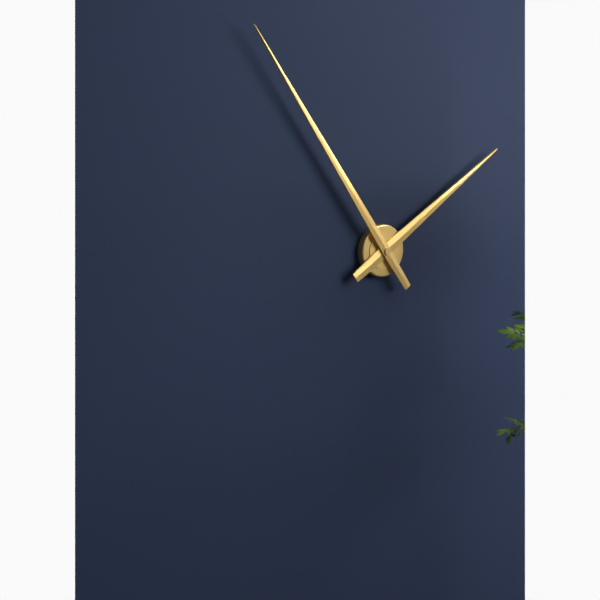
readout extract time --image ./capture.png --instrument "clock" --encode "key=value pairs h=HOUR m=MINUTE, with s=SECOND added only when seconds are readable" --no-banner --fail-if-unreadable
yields h=1 m=54
